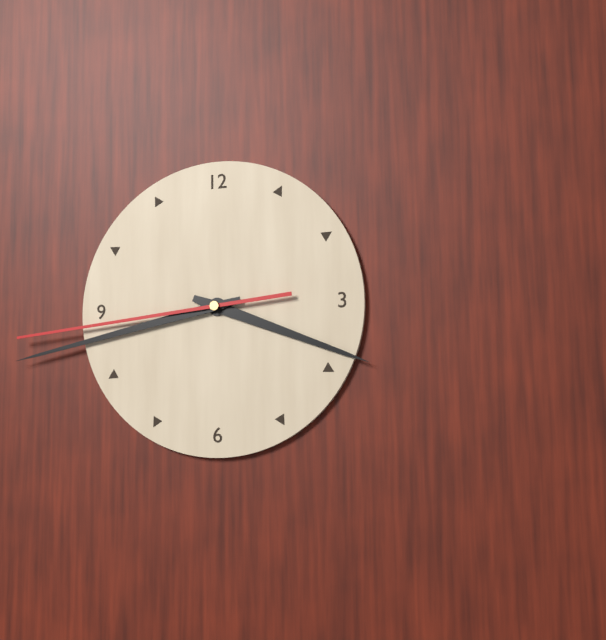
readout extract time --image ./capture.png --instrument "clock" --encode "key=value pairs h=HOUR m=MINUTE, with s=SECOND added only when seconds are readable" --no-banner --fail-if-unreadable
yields h=3 m=43 s=44
